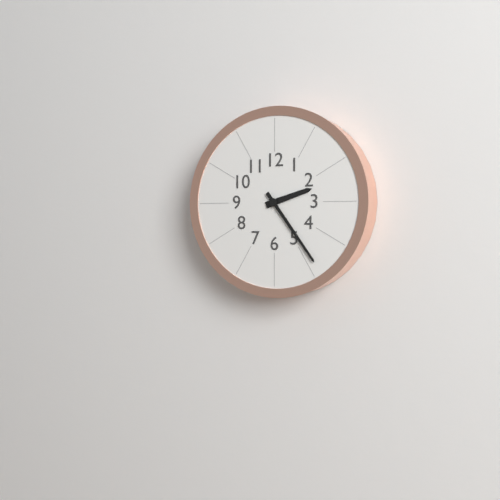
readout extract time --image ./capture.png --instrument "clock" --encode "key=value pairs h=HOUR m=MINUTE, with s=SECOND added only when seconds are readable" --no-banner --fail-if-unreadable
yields h=2 m=24
